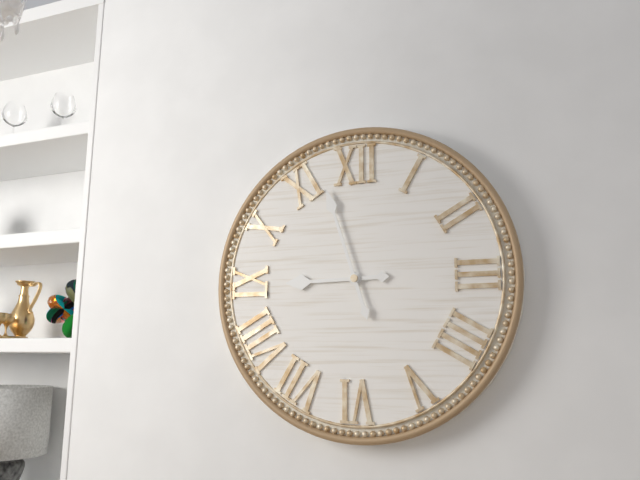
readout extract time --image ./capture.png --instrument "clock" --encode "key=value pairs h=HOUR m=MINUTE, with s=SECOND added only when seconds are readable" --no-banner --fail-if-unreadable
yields h=8 m=57
